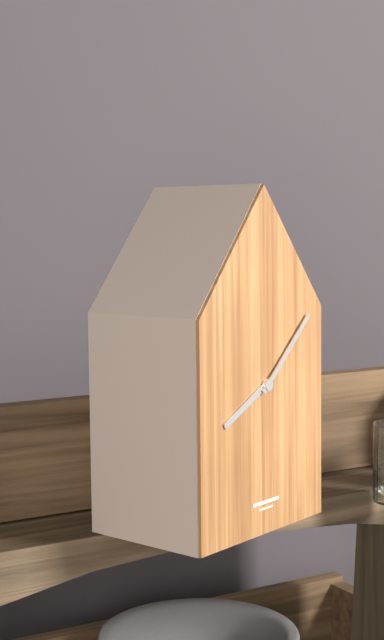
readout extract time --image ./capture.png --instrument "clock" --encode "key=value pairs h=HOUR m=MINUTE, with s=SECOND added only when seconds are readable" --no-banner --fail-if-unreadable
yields h=8 m=8
